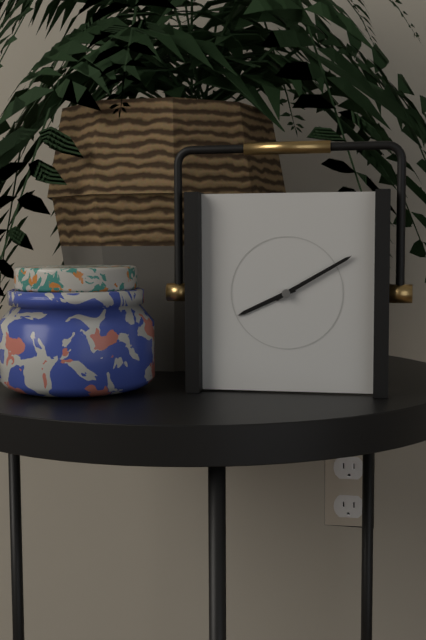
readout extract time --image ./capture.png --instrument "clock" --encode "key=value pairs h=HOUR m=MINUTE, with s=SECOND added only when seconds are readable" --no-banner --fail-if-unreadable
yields h=8 m=10
